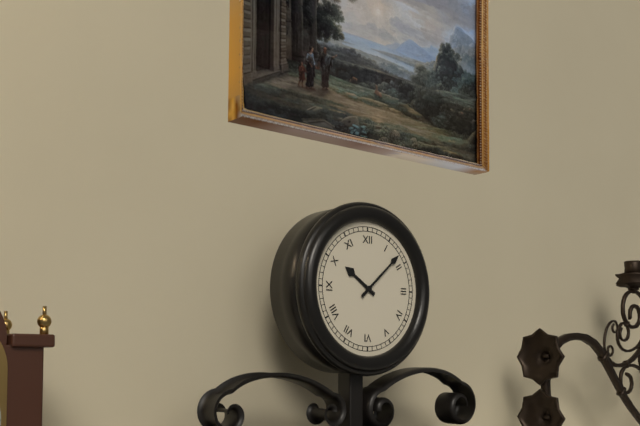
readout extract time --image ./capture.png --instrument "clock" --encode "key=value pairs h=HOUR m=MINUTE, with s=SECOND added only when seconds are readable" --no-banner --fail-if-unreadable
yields h=10 m=8
